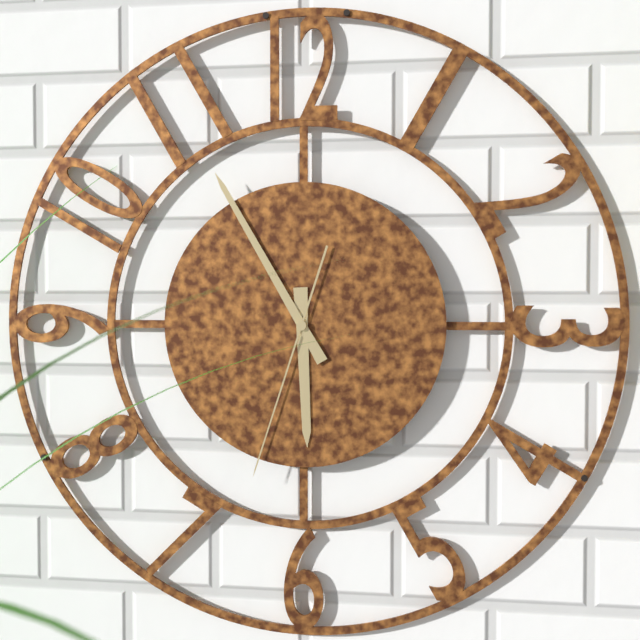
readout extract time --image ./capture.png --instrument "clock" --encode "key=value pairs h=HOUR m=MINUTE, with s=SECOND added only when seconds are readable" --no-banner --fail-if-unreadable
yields h=5 m=55 s=33
